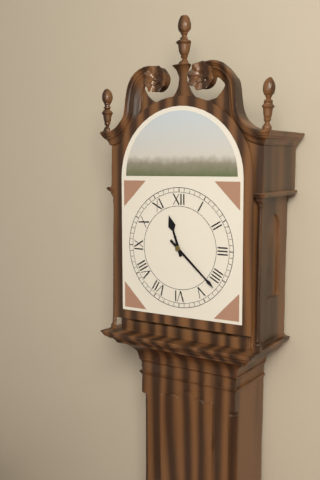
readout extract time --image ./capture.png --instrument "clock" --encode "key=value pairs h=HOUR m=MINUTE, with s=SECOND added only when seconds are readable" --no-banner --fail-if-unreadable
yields h=11 m=22
